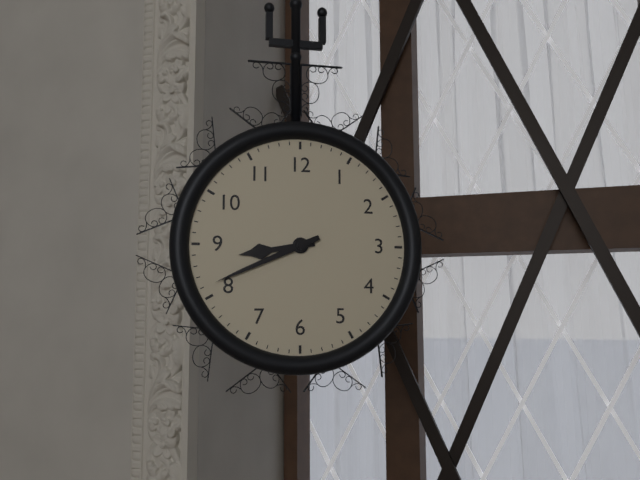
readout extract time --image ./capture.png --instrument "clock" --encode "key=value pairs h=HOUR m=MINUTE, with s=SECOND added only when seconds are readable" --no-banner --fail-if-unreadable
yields h=8 m=41
